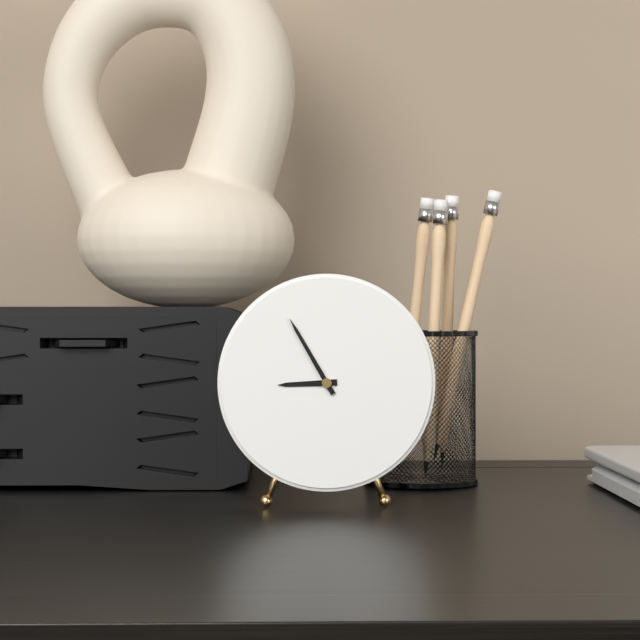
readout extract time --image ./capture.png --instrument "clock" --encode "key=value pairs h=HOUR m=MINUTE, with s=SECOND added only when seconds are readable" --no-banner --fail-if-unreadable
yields h=8 m=55
